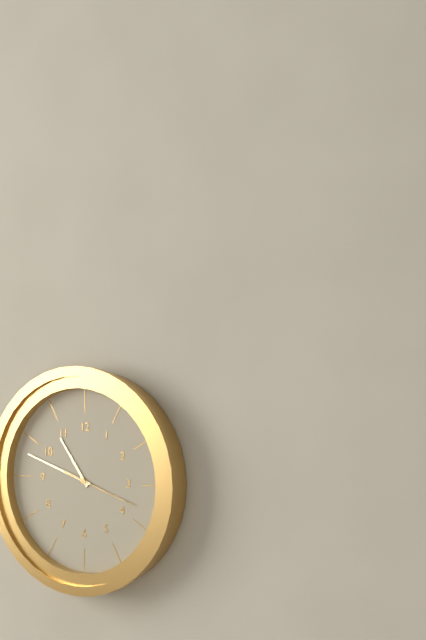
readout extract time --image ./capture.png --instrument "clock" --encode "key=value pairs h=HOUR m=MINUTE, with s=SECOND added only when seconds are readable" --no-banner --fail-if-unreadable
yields h=10 m=48 s=18
